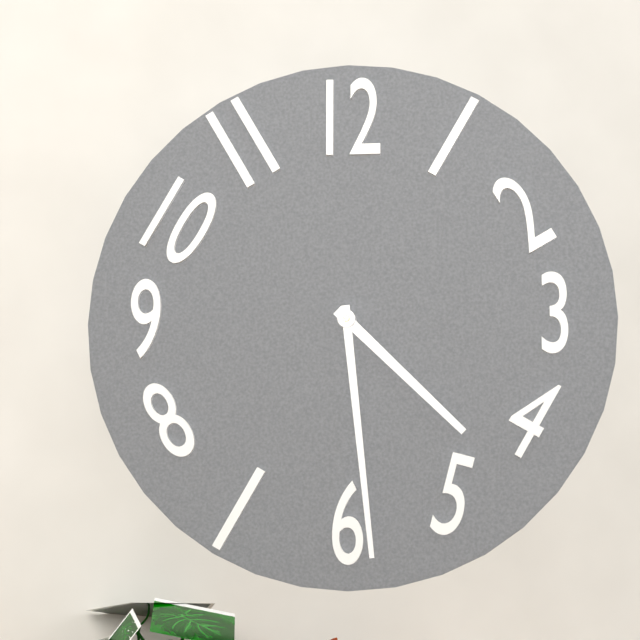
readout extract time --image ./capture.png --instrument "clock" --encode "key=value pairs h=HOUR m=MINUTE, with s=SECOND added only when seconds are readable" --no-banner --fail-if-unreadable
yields h=4 m=29
